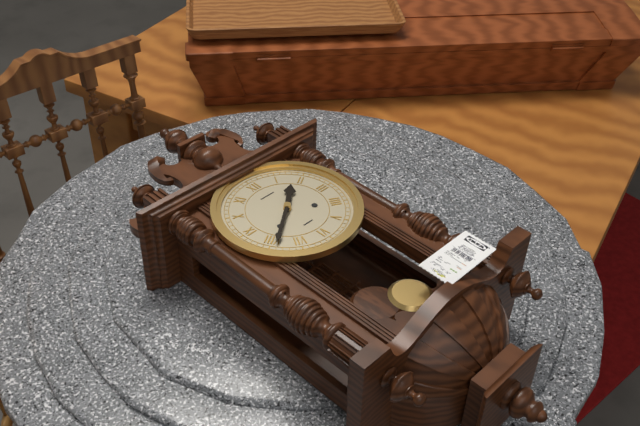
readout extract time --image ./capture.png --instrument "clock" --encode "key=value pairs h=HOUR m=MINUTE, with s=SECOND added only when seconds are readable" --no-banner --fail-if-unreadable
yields h=1 m=39
